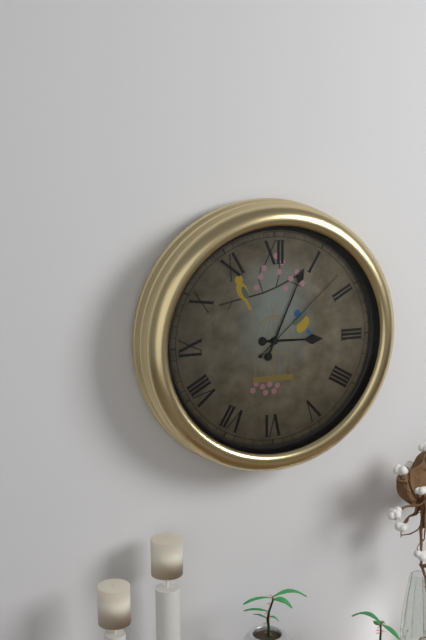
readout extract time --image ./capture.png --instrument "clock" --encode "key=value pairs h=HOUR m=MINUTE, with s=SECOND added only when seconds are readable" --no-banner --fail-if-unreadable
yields h=3 m=4 s=8
